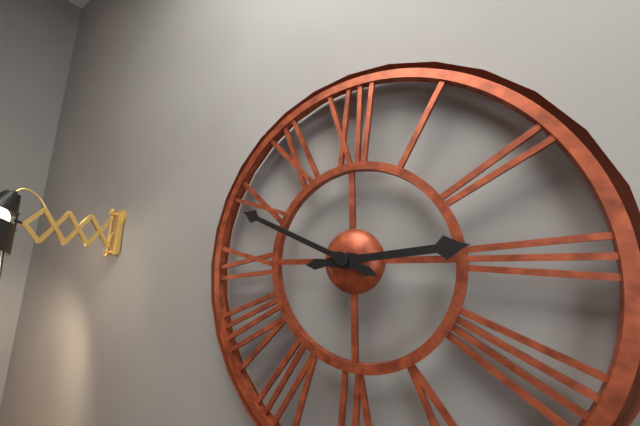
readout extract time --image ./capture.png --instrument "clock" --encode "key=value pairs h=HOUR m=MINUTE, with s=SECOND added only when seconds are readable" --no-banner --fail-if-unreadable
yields h=2 m=49
